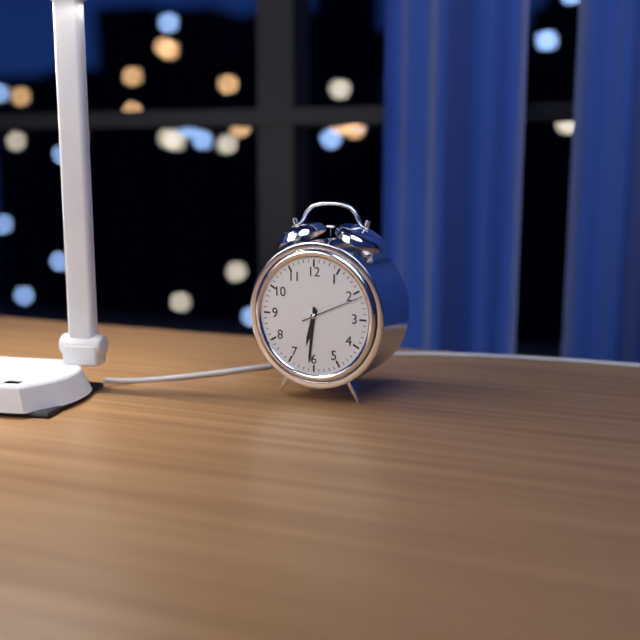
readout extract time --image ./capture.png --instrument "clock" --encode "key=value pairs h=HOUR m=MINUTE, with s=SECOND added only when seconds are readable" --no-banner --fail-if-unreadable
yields h=6 m=31 s=11
